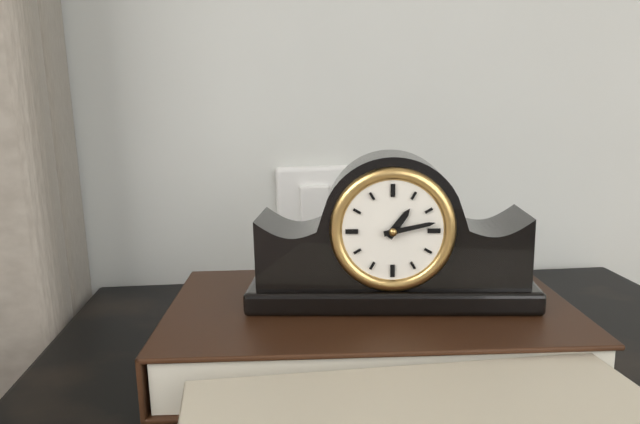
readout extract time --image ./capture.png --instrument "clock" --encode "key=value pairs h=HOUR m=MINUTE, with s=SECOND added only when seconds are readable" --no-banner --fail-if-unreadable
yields h=1 m=13
